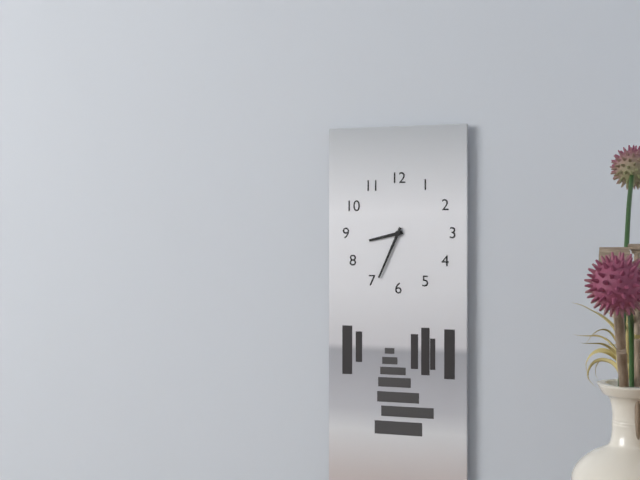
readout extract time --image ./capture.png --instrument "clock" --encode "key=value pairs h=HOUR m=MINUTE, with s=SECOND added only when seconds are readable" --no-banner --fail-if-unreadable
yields h=8 m=34
